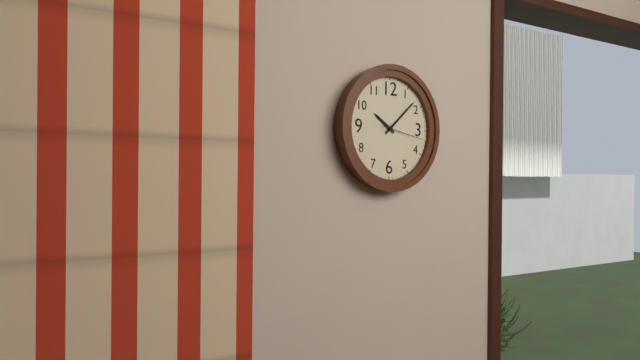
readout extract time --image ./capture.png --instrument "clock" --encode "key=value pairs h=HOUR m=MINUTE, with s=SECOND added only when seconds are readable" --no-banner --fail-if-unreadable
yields h=10 m=8
